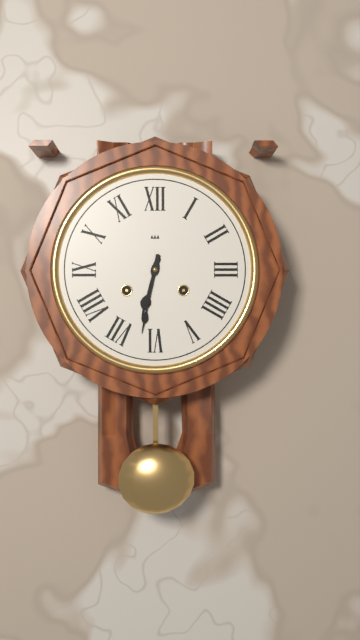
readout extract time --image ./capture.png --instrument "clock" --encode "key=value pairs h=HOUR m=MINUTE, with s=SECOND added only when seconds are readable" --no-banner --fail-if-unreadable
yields h=6 m=32
